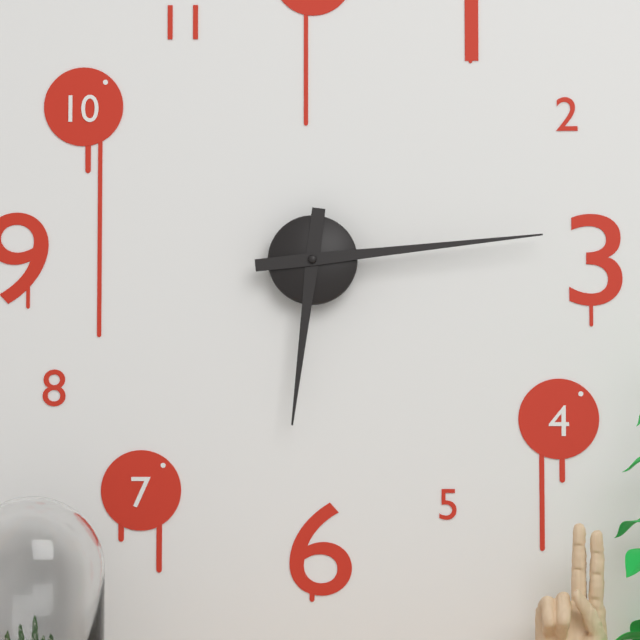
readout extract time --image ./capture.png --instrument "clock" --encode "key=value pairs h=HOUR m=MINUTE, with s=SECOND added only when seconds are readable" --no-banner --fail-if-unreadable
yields h=6 m=14
